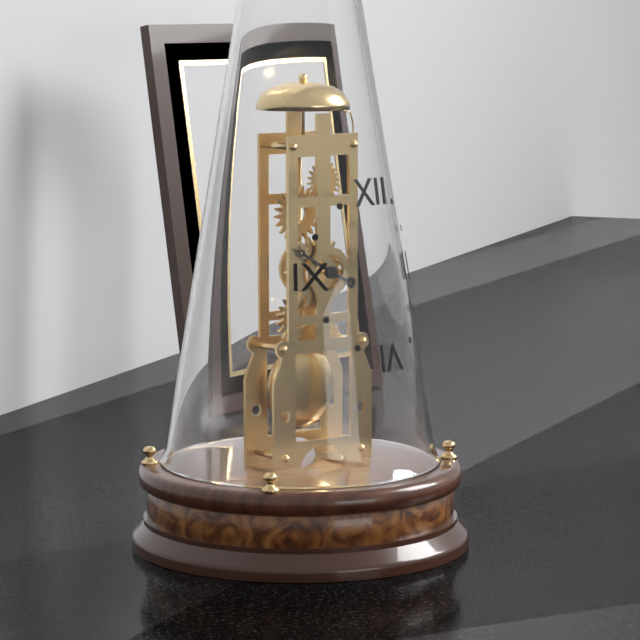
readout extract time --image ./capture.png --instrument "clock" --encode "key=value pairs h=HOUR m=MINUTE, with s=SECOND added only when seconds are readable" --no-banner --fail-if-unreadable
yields h=3 m=50
